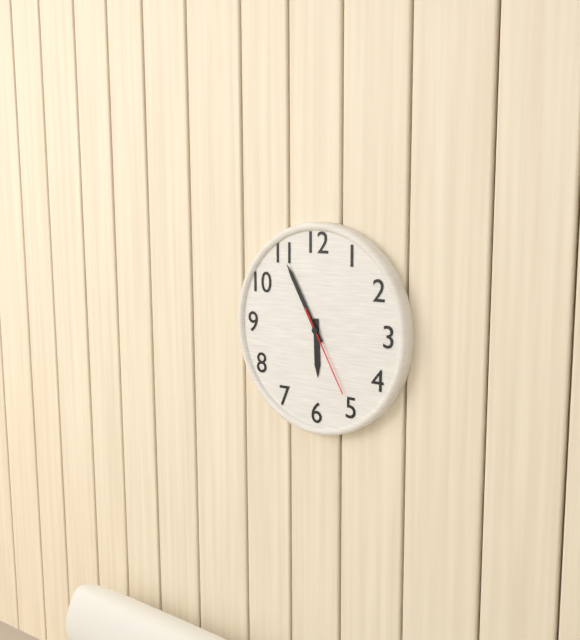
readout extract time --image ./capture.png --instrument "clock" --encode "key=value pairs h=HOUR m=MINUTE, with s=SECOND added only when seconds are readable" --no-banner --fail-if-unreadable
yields h=5 m=55 s=25
